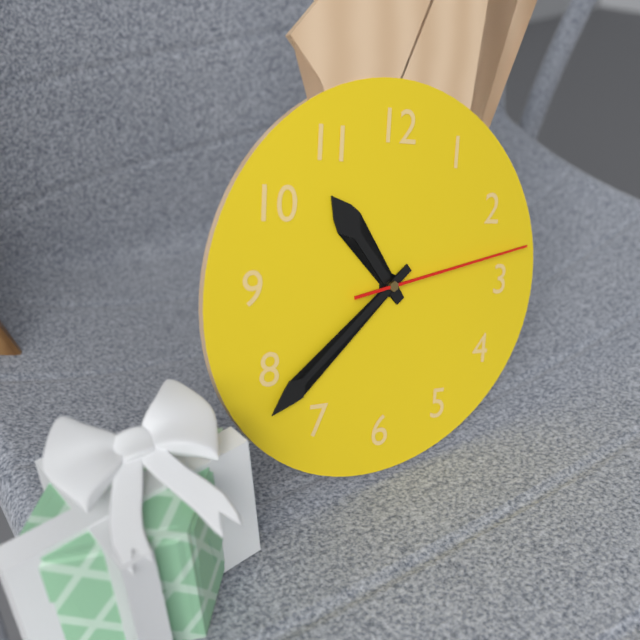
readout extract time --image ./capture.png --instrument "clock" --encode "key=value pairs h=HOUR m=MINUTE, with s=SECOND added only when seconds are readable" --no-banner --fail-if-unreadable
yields h=10 m=38 s=13
